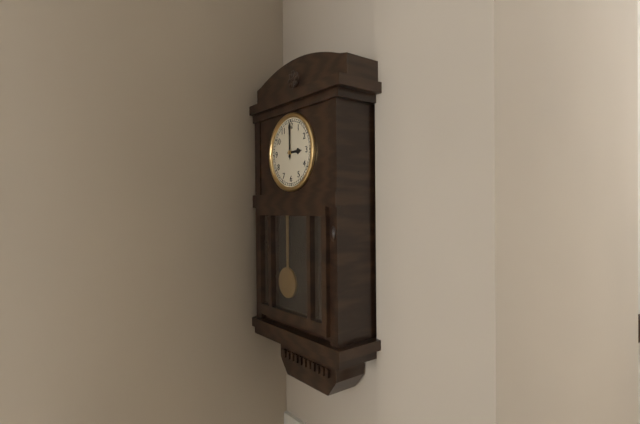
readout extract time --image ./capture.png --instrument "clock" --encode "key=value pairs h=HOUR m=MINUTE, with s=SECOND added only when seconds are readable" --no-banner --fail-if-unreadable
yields h=3 m=0
